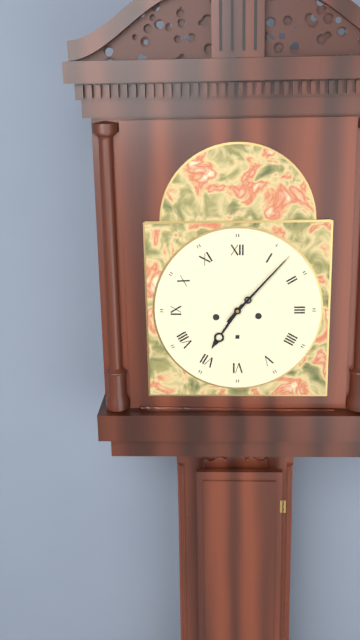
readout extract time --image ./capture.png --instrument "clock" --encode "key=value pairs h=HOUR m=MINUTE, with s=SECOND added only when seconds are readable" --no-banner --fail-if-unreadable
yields h=7 m=7
